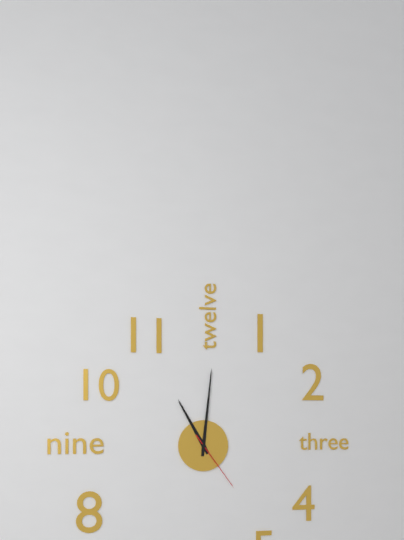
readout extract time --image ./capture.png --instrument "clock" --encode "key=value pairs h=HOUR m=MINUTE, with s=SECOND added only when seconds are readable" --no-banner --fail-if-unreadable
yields h=11 m=1 s=24
